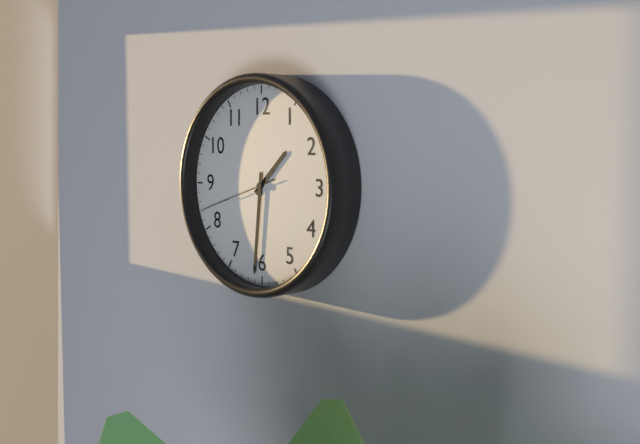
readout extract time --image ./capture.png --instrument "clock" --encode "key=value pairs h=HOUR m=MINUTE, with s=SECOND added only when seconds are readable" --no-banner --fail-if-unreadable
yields h=1 m=31 s=42
